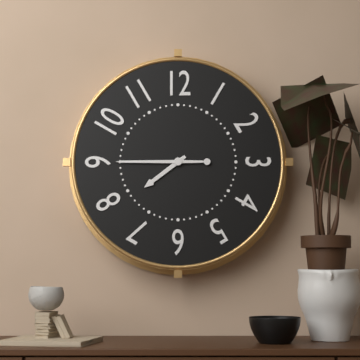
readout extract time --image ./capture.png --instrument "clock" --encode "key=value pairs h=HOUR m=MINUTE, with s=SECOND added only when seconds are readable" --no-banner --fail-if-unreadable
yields h=7 m=45
